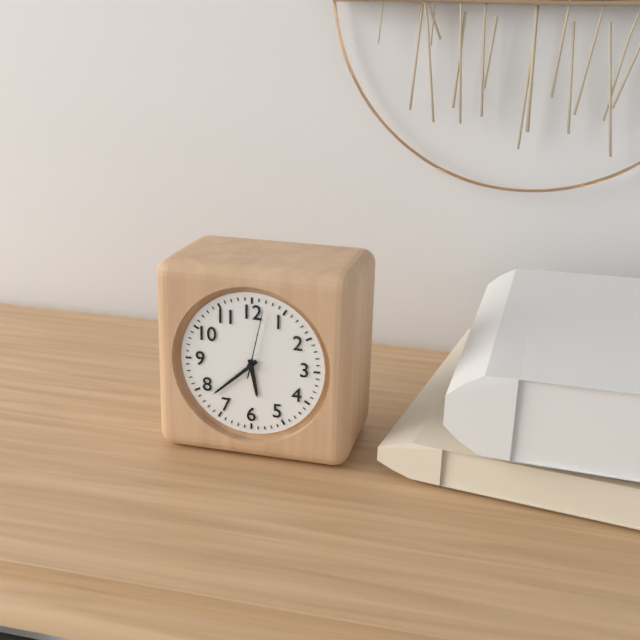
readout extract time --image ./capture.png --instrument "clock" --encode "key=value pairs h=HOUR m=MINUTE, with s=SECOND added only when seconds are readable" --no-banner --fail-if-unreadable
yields h=5 m=38 s=2
